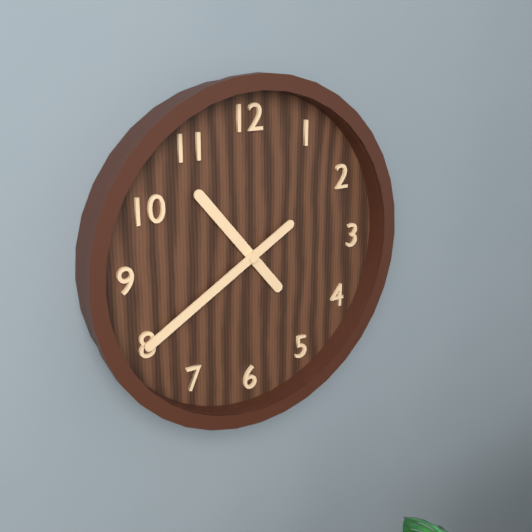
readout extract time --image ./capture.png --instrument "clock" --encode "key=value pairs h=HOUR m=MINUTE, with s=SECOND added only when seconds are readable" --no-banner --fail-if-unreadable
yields h=10 m=40
